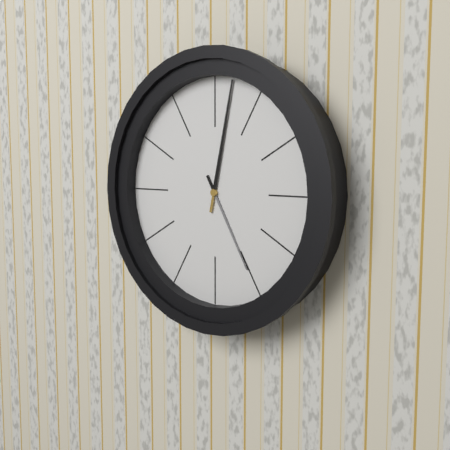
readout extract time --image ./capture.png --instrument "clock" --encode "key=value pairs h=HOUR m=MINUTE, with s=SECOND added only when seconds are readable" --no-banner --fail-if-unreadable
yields h=5 m=2
